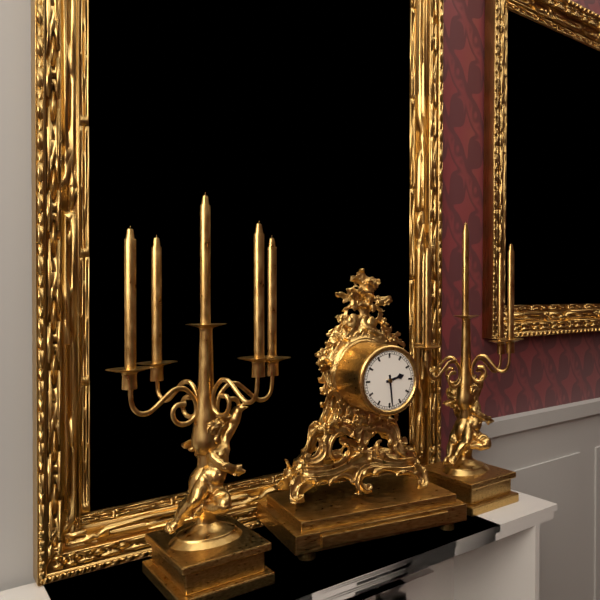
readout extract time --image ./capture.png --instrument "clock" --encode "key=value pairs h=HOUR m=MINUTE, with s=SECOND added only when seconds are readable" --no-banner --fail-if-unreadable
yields h=2 m=29
